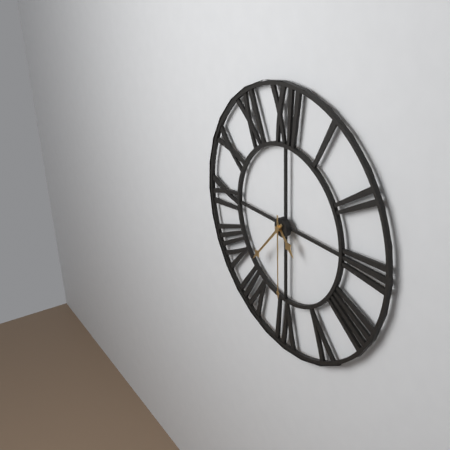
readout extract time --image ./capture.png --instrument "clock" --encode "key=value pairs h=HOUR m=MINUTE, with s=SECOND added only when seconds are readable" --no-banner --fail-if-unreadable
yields h=4 m=37 s=30
